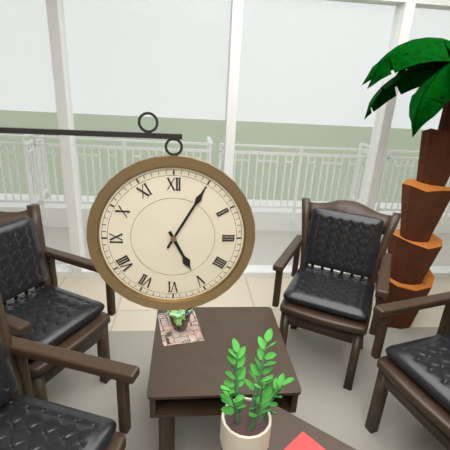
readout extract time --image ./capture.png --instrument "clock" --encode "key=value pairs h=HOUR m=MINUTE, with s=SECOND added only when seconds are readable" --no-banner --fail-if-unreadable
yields h=5 m=5
